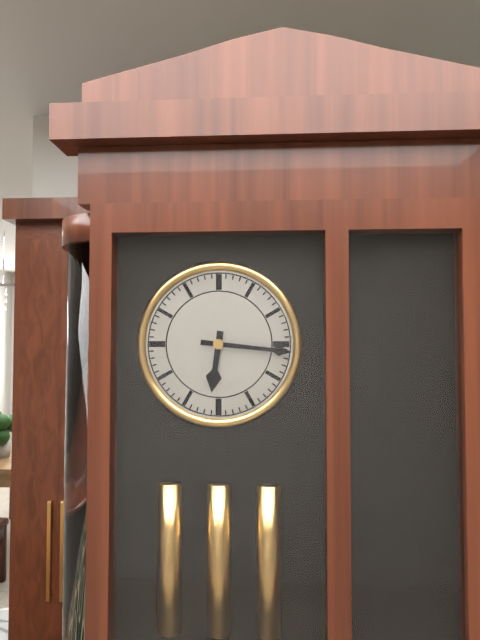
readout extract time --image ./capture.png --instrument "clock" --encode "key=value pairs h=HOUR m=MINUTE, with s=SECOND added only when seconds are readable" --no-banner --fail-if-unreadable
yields h=6 m=16
